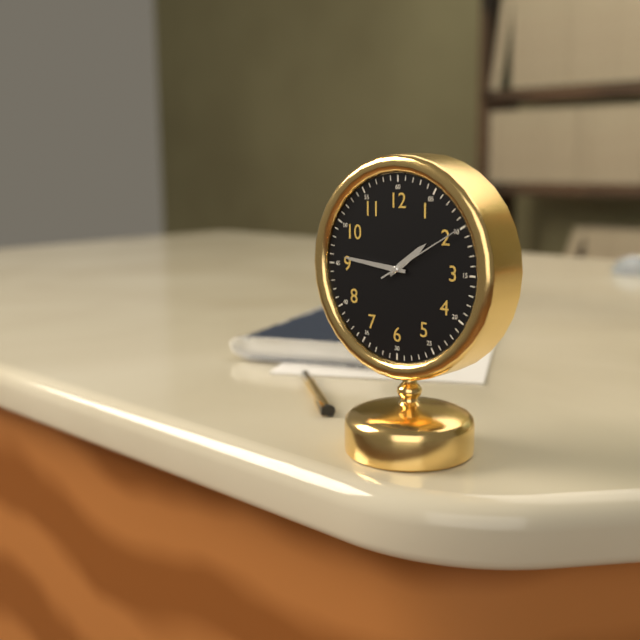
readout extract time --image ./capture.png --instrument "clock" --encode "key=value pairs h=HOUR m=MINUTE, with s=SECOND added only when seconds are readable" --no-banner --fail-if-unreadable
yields h=1 m=46 s=10
